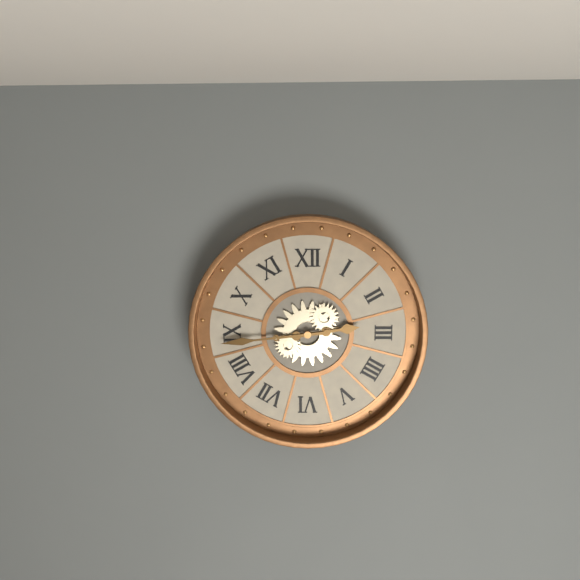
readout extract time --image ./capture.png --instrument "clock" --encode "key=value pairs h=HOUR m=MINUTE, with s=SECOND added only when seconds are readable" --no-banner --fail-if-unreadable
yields h=2 m=44
